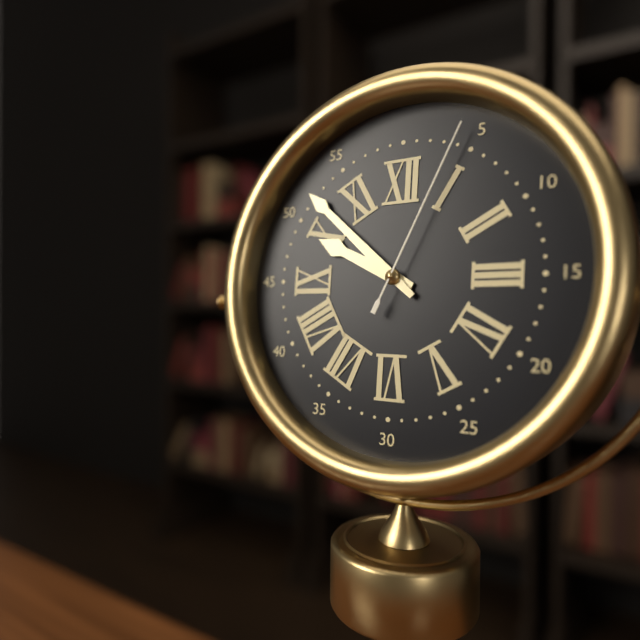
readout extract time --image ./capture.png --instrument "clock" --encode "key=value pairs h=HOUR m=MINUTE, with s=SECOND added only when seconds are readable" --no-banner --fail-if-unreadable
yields h=9 m=52 s=4
